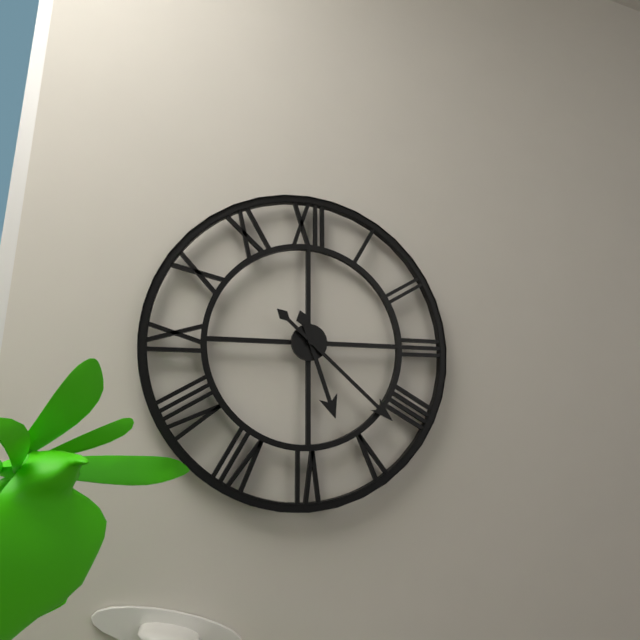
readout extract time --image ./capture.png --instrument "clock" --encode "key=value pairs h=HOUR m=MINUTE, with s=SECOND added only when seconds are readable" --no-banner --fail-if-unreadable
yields h=5 m=22
